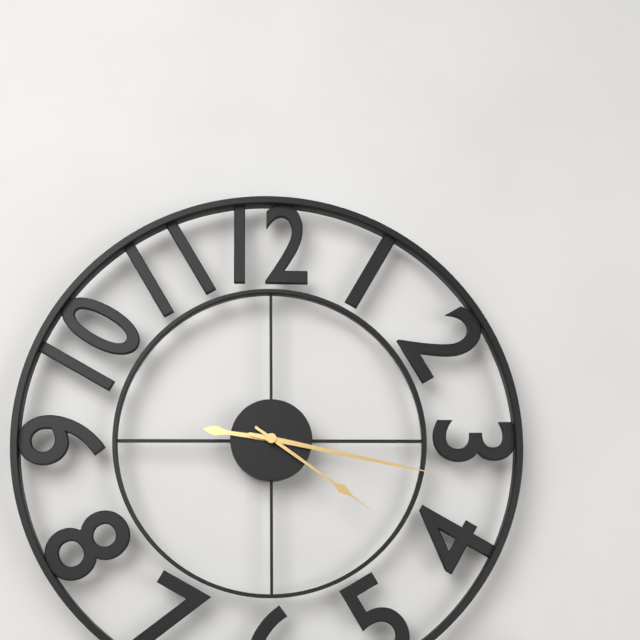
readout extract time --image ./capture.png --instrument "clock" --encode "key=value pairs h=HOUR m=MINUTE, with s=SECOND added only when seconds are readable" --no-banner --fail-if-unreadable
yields h=9 m=17 s=21
